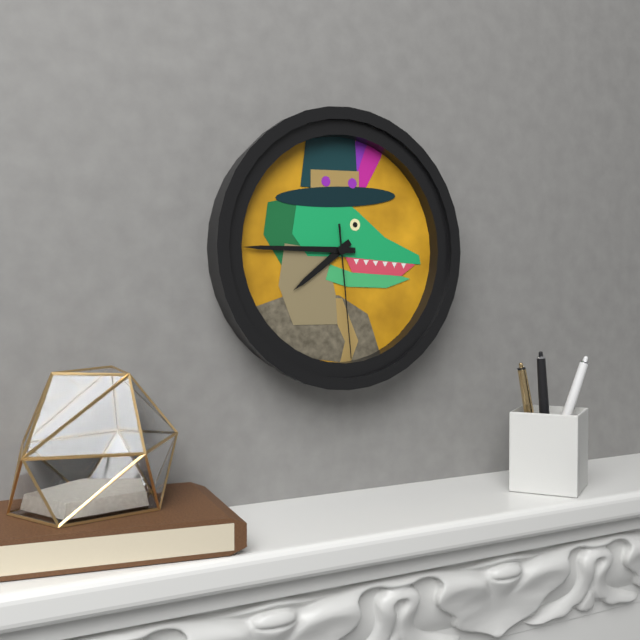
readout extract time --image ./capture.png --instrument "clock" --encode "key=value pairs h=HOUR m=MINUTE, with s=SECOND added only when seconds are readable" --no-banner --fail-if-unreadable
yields h=7 m=45 s=29
